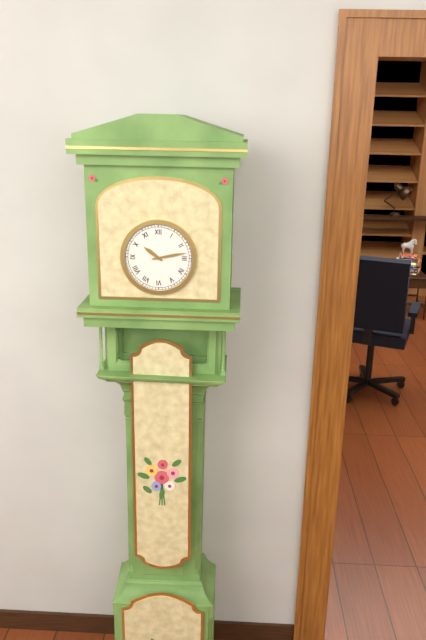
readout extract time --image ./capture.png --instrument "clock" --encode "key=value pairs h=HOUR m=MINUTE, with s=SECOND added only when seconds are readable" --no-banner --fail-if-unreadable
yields h=10 m=13
